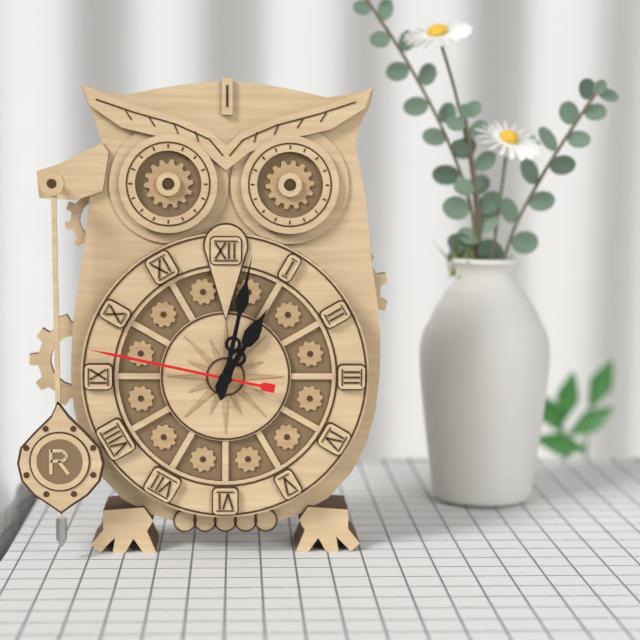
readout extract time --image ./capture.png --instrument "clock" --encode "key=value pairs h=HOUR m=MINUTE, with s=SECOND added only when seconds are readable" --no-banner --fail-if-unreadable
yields h=1 m=2 s=47
